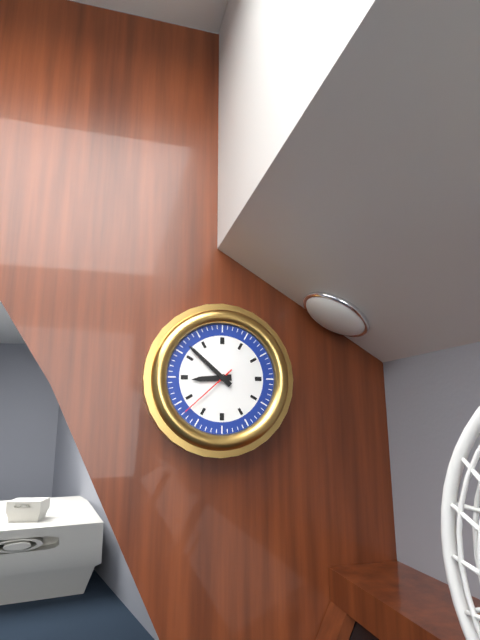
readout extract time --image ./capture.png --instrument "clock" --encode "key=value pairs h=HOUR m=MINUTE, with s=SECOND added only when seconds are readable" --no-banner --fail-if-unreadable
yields h=8 m=52 s=38
